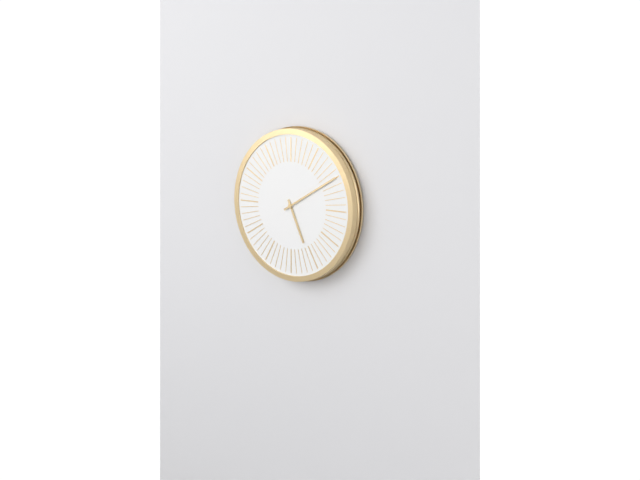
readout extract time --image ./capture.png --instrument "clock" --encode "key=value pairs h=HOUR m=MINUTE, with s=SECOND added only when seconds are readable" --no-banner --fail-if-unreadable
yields h=5 m=10
